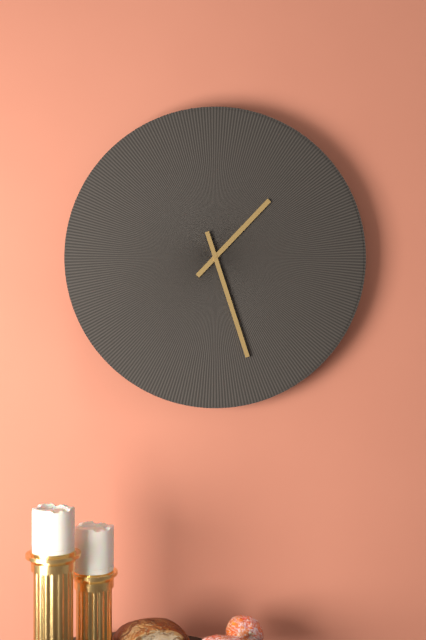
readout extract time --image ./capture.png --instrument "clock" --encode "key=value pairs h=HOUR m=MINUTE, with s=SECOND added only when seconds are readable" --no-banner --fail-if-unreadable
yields h=1 m=27
